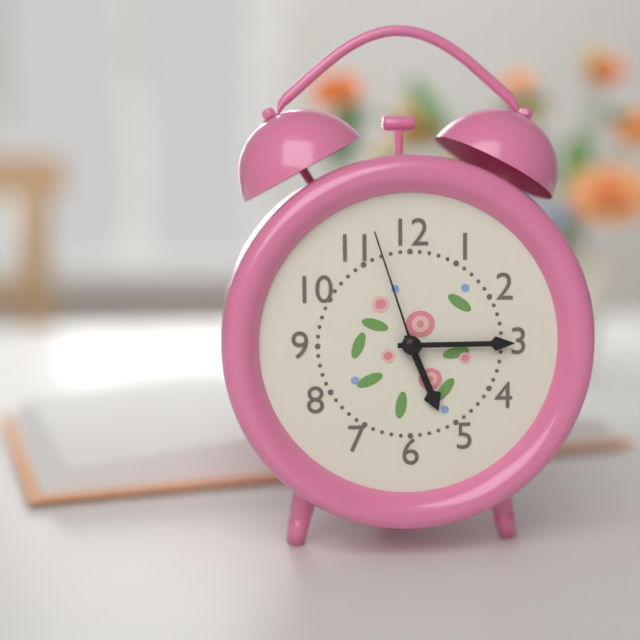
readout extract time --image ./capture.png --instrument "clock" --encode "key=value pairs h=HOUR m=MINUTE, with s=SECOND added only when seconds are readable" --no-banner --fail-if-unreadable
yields h=5 m=15 s=57
